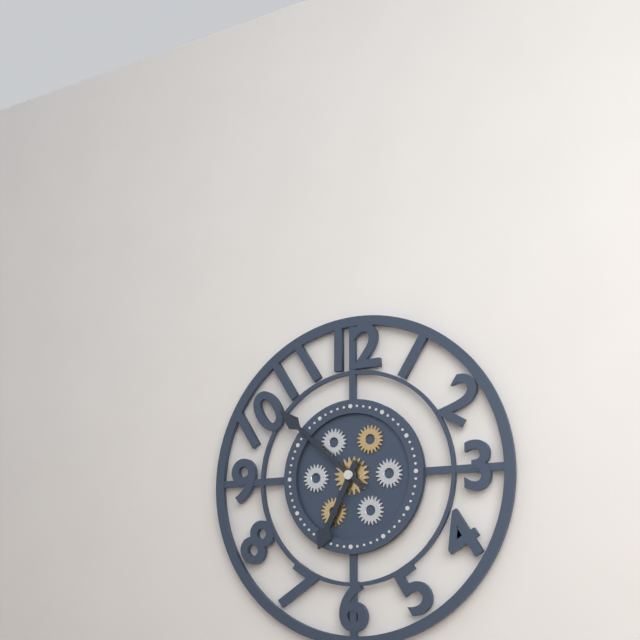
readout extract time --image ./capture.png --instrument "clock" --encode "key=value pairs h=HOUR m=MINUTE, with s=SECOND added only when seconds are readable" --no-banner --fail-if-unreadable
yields h=6 m=52
